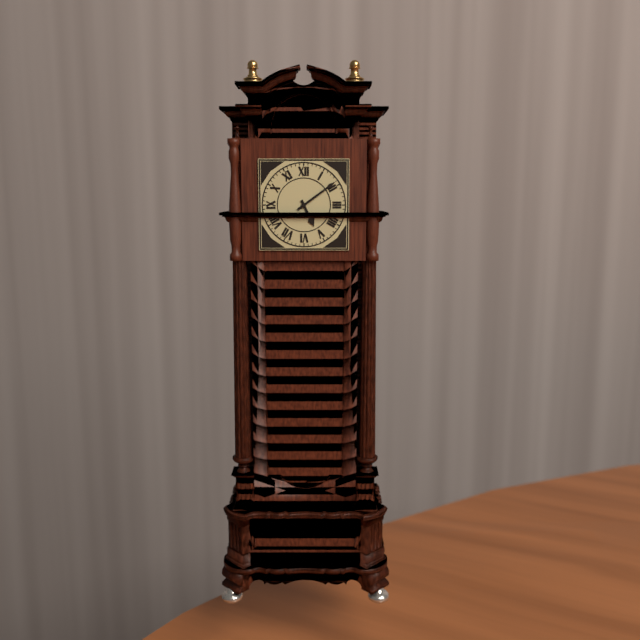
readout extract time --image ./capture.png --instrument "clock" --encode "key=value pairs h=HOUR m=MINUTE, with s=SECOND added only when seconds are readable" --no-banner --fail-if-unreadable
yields h=5 m=9
